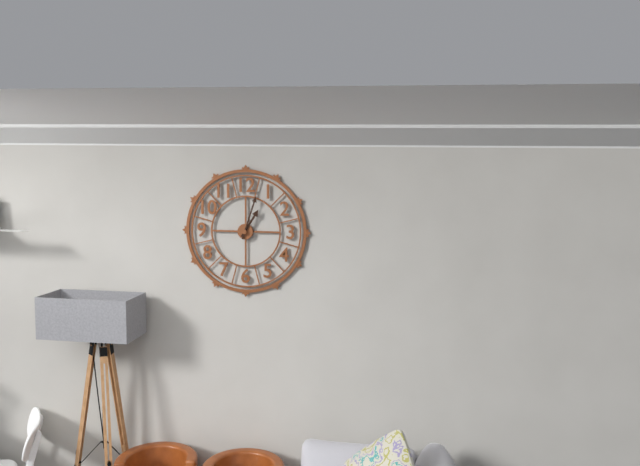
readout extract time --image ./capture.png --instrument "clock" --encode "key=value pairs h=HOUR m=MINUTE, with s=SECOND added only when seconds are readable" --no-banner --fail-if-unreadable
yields h=1 m=3
